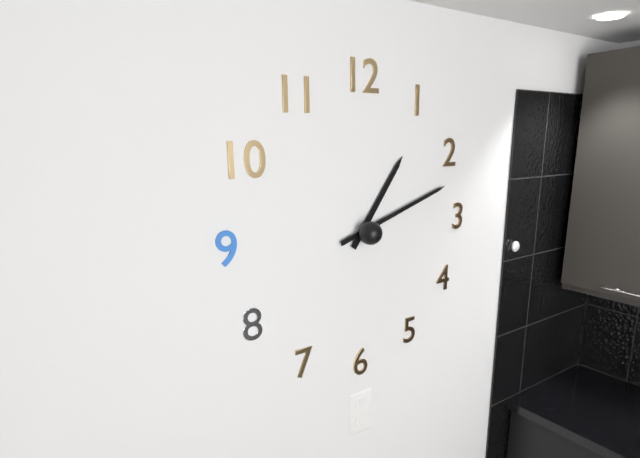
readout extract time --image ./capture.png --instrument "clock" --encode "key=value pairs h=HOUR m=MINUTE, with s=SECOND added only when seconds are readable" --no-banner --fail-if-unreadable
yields h=1 m=12
